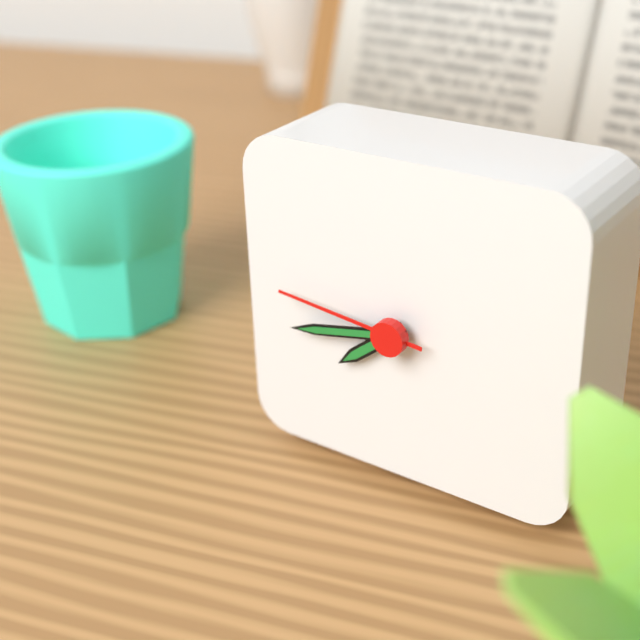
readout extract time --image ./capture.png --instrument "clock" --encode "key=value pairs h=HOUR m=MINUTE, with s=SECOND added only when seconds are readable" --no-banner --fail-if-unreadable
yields h=7 m=43 s=46
